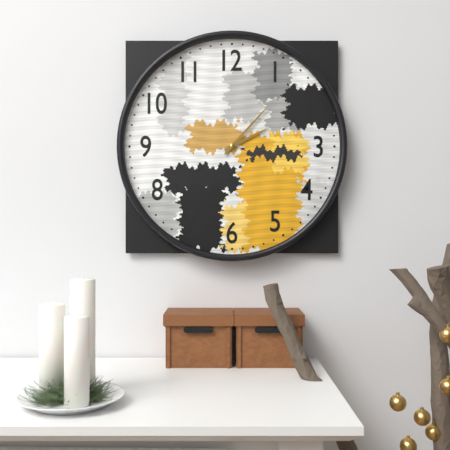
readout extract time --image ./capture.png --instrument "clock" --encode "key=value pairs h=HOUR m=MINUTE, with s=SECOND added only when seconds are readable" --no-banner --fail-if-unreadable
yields h=2 m=7
